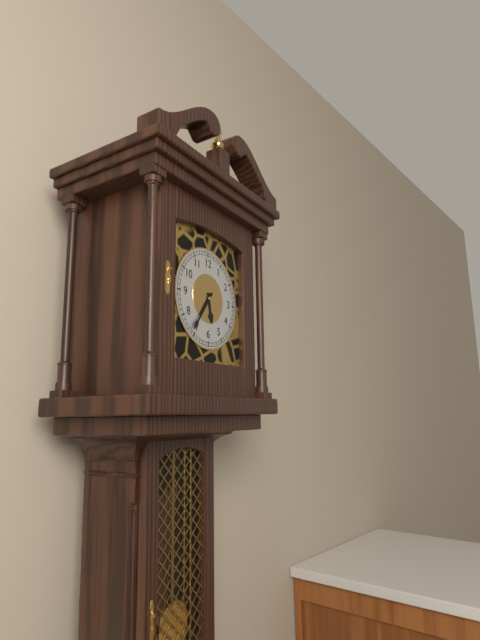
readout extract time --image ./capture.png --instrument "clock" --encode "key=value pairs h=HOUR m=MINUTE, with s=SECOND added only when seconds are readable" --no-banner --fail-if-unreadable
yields h=5 m=36
